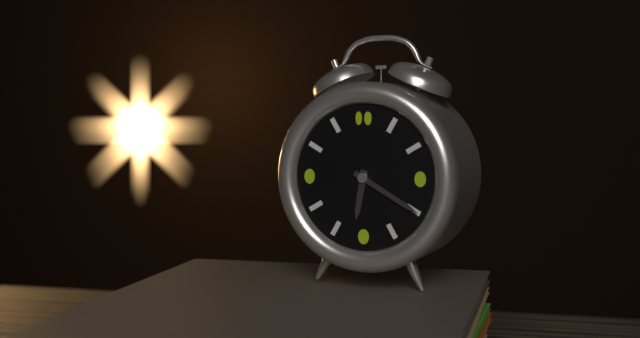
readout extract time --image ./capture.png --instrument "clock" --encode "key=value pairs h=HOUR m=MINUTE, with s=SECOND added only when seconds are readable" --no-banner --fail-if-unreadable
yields h=6 m=20
